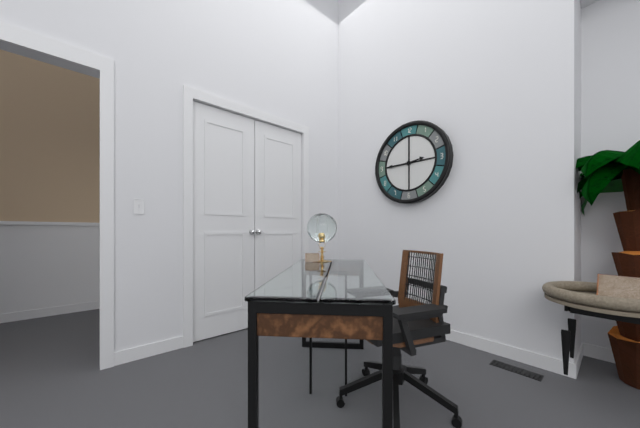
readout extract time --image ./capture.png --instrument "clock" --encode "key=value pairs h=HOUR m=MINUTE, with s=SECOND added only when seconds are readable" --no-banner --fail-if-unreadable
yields h=2 m=45
